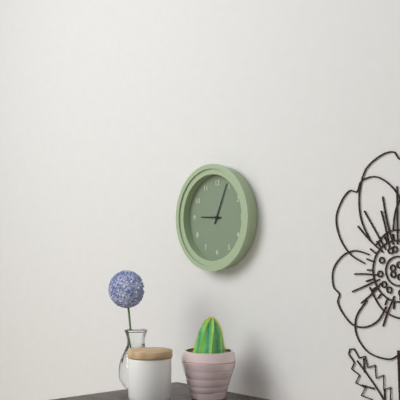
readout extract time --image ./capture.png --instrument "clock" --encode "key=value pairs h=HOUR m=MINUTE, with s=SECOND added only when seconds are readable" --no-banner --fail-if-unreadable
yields h=9 m=4
